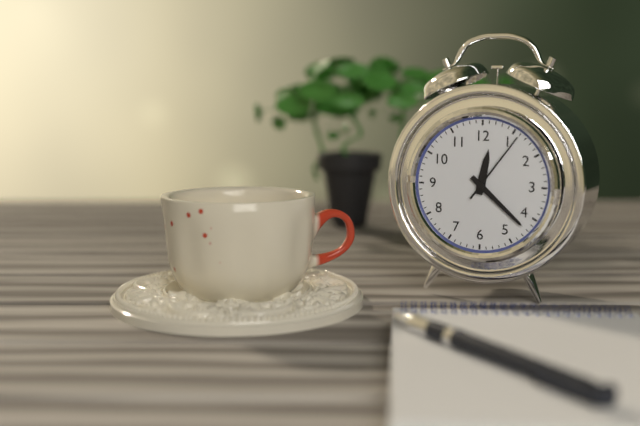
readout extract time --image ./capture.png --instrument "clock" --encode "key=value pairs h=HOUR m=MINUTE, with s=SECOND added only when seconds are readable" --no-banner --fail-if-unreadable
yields h=12 m=22 s=6
